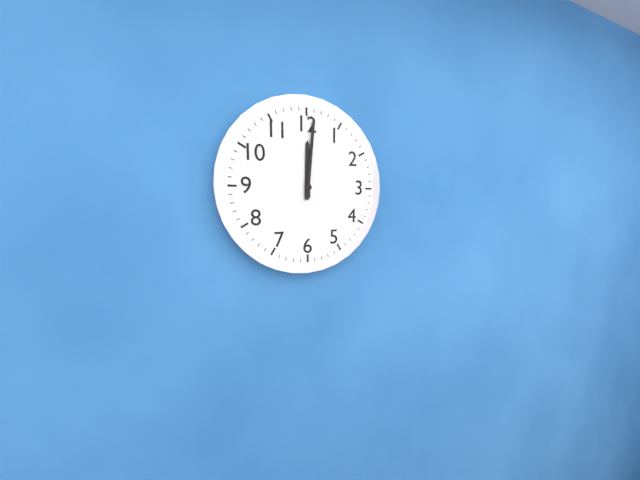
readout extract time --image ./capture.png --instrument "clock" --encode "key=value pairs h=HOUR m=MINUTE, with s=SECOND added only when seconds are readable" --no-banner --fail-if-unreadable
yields h=12 m=1
